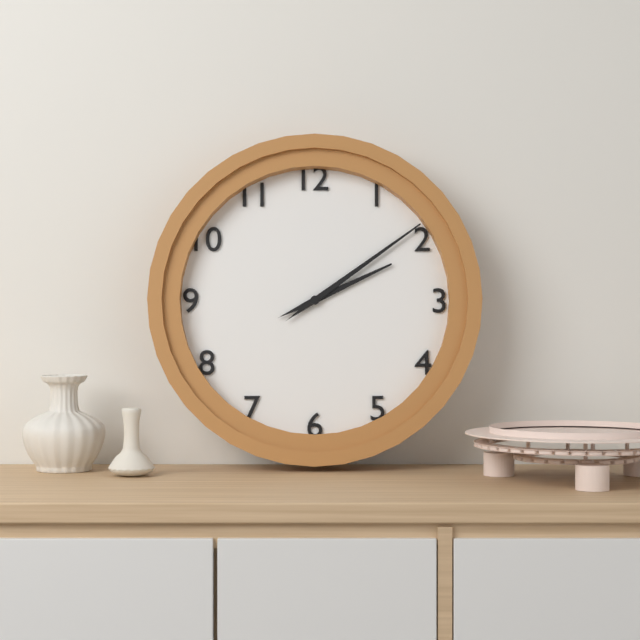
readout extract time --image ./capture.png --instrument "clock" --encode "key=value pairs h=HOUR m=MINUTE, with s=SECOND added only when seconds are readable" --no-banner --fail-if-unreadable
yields h=2 m=9
